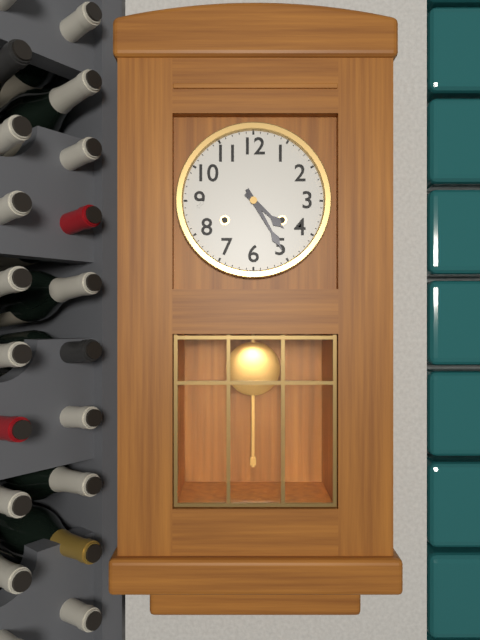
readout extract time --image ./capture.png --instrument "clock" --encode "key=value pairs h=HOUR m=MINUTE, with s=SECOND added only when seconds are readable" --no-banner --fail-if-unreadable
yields h=4 m=25
